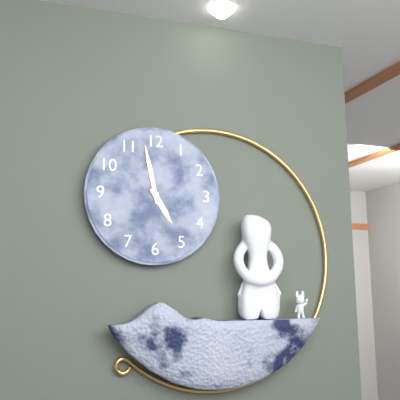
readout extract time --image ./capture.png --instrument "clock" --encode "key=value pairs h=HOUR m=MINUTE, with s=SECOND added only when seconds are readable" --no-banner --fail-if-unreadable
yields h=4 m=58
